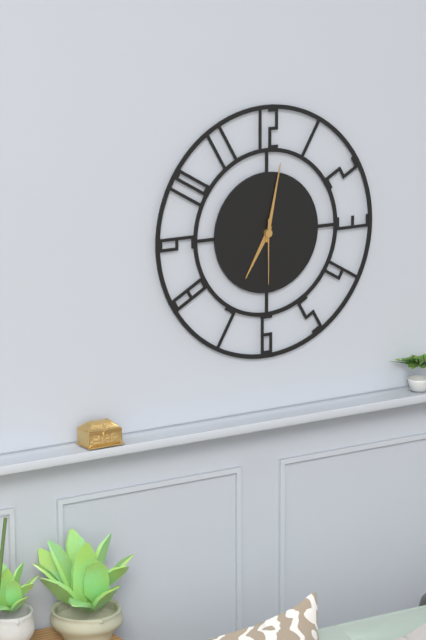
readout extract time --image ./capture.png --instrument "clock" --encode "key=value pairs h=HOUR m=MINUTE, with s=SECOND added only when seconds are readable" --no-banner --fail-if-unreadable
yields h=7 m=2 s=30
